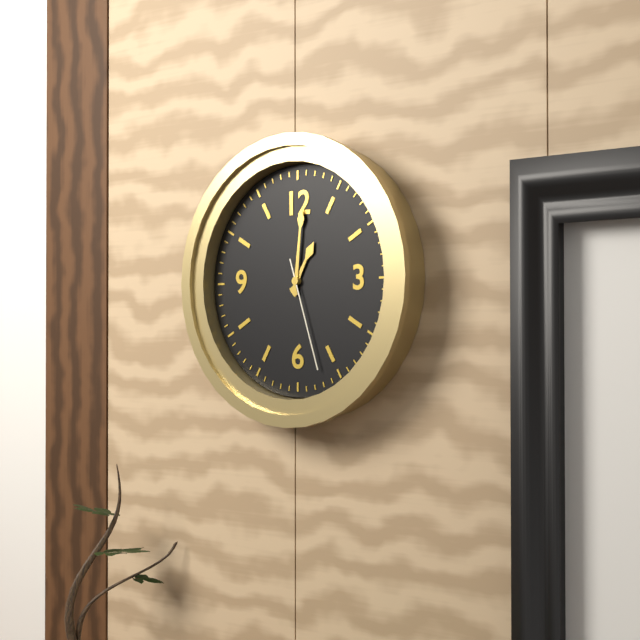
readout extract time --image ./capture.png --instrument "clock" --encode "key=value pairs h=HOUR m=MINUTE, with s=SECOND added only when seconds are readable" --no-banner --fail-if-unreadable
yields h=1 m=1 s=27
